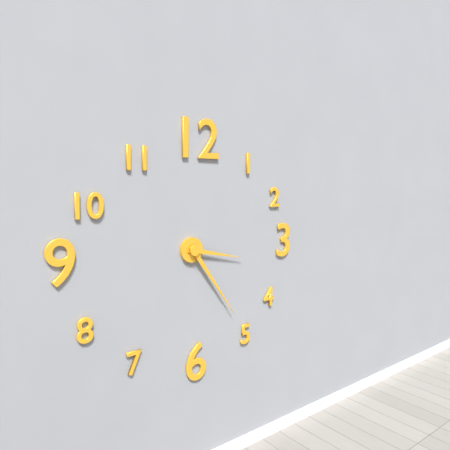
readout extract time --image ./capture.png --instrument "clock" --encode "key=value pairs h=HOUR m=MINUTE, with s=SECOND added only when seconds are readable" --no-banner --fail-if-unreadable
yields h=3 m=24
